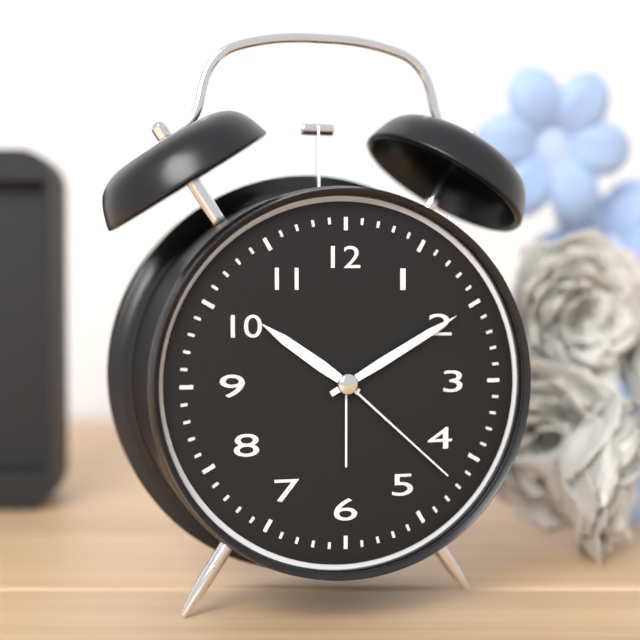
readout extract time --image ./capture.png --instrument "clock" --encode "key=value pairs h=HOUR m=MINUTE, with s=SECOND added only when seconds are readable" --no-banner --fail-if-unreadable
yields h=10 m=10 s=22
